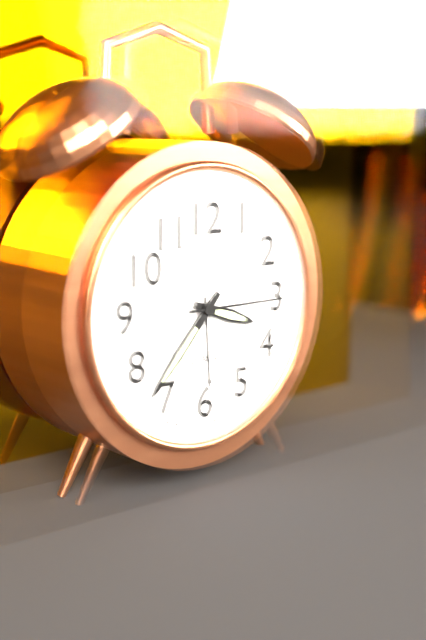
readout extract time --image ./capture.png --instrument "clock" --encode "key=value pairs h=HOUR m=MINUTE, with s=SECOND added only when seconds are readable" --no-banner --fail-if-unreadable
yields h=3 m=37 s=15
